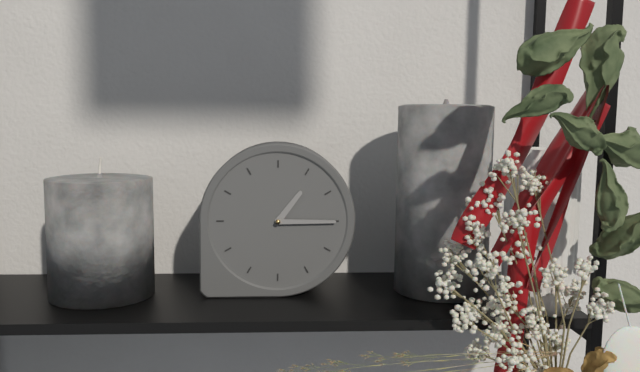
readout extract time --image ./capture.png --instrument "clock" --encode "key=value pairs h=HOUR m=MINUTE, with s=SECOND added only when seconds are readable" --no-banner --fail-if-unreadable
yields h=1 m=15
